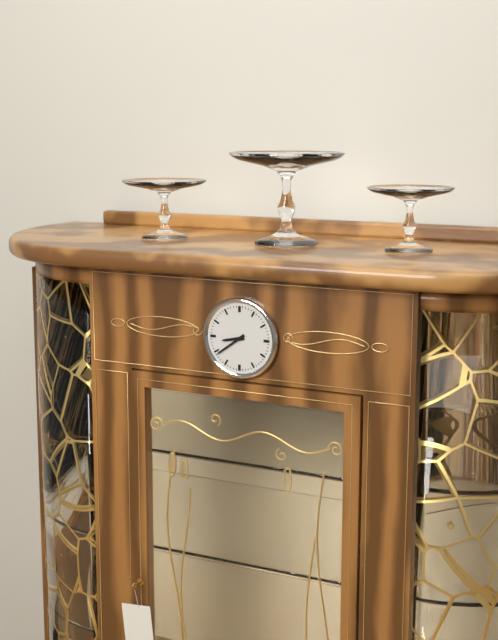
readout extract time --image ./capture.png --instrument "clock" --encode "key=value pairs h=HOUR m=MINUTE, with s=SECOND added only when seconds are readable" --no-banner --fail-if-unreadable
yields h=8 m=39
